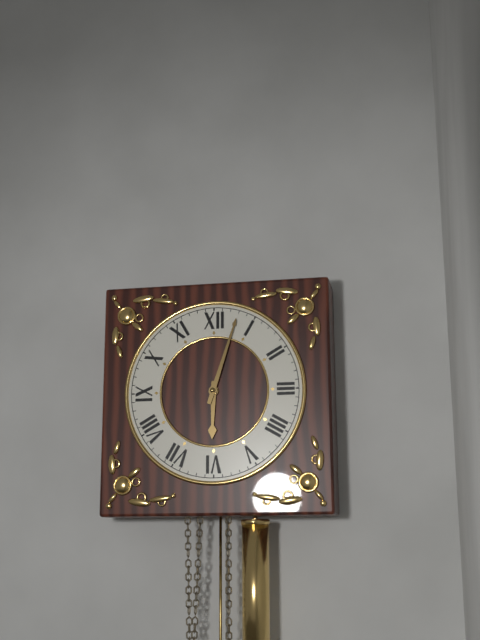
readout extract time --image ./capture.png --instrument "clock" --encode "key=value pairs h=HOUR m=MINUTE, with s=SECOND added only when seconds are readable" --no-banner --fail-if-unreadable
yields h=6 m=3
